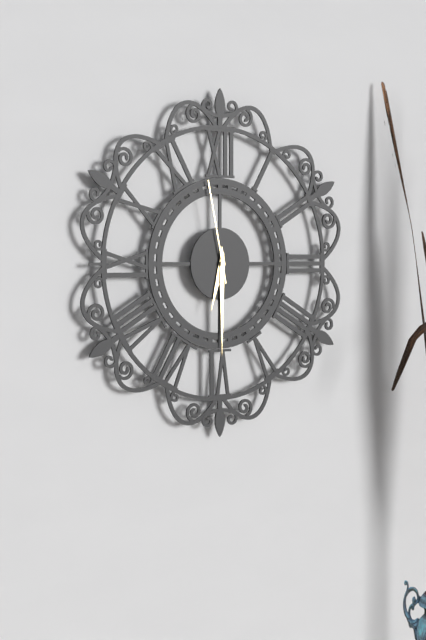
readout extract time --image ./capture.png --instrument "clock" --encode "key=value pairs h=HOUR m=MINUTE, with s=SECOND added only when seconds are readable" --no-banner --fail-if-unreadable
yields h=6 m=30 s=58
